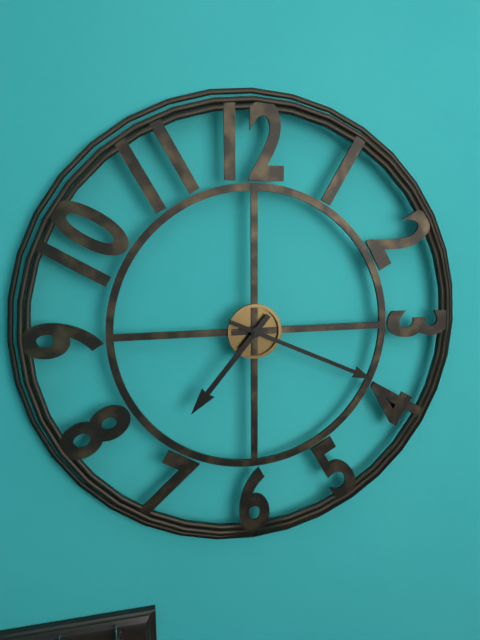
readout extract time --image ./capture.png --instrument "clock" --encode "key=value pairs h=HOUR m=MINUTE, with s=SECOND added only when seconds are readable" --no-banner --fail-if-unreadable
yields h=7 m=19
